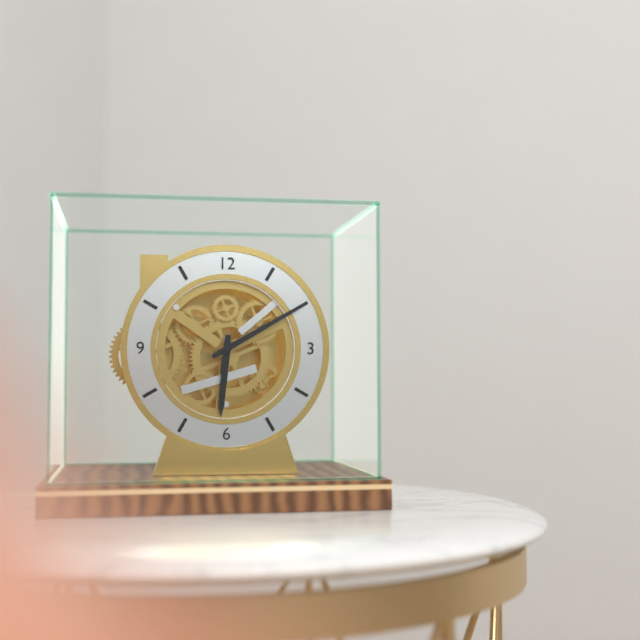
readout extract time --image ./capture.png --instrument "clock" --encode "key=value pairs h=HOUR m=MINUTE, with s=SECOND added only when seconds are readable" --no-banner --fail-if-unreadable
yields h=6 m=10
